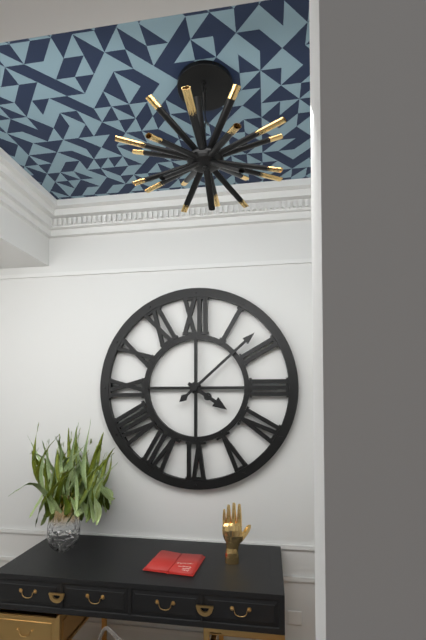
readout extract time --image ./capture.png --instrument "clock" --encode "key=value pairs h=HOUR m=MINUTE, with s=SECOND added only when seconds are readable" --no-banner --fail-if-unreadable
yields h=4 m=8
